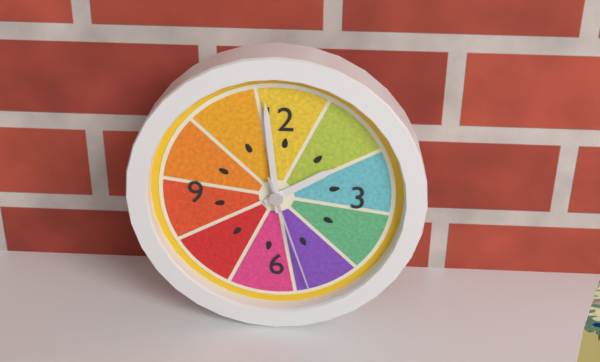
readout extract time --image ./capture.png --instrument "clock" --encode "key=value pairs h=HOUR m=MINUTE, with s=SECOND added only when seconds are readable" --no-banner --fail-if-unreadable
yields h=1 m=59 s=27
